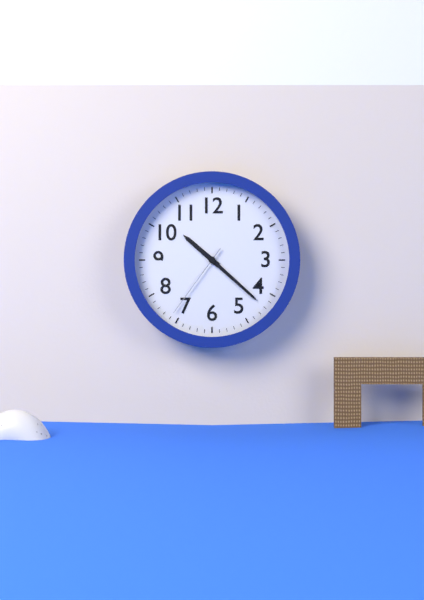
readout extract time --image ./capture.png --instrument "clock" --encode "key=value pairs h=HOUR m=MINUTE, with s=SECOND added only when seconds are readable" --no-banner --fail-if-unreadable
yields h=10 m=22 s=36
